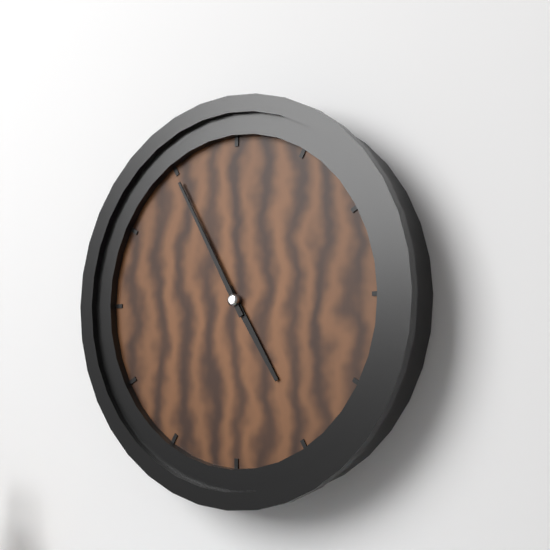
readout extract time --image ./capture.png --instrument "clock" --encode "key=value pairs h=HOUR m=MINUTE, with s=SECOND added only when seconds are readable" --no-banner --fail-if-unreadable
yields h=4 m=55
